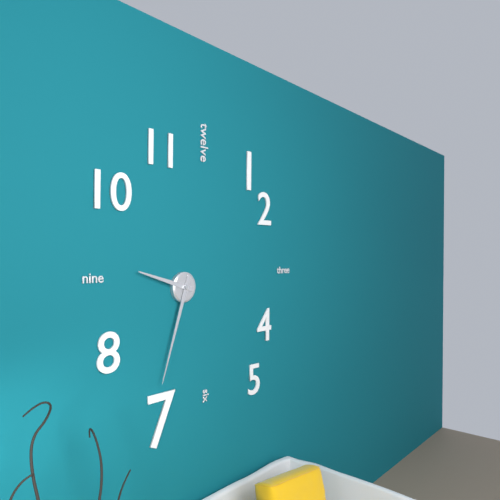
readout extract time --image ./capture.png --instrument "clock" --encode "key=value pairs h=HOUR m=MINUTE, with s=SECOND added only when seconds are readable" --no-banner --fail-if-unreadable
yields h=9 m=33
